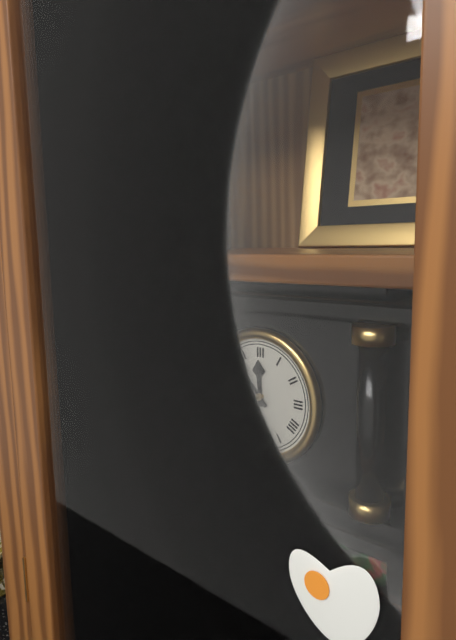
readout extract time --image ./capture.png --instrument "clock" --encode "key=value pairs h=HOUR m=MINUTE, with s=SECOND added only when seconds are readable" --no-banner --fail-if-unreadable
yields h=11 m=53
